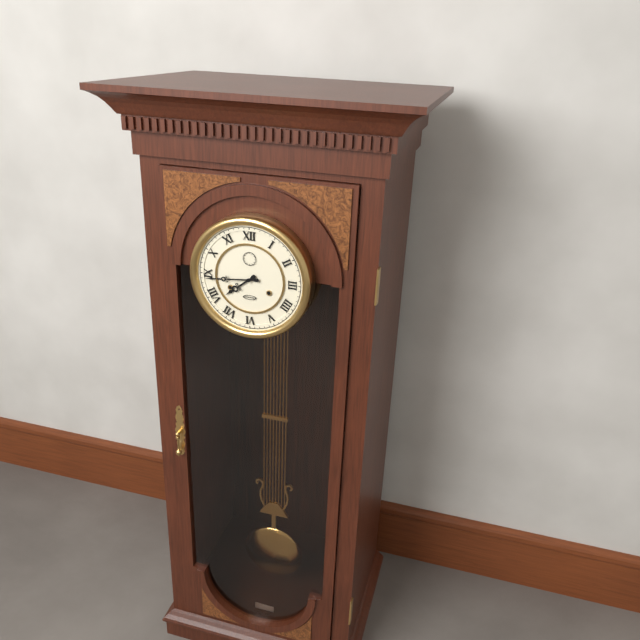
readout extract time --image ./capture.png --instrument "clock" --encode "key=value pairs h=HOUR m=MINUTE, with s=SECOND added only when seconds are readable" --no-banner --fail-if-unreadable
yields h=7 m=44
